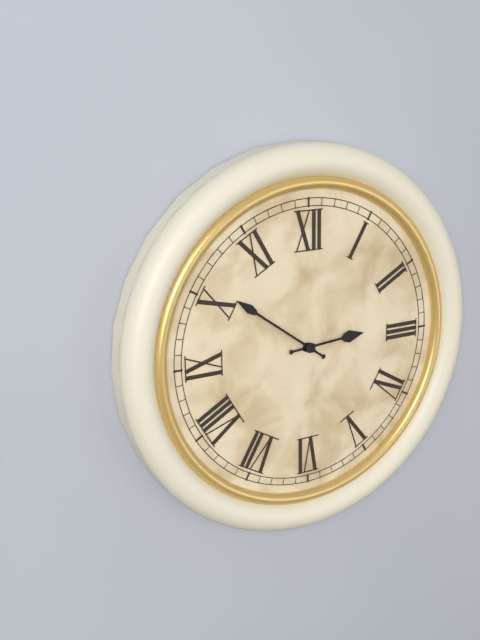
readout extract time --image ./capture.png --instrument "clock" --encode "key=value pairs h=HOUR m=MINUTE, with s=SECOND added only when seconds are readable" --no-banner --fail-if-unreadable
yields h=2 m=51
